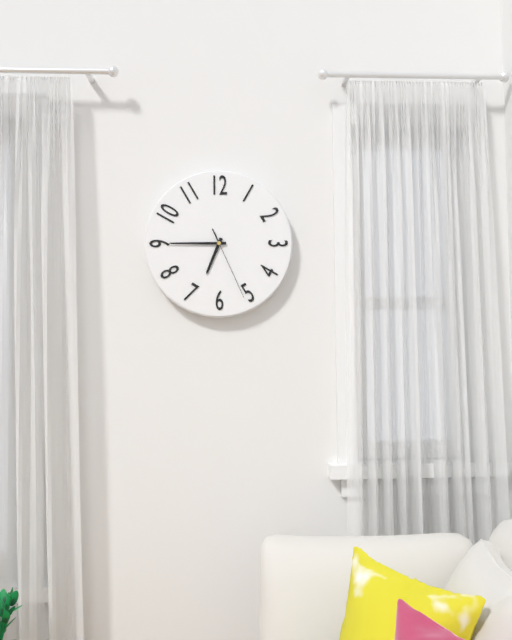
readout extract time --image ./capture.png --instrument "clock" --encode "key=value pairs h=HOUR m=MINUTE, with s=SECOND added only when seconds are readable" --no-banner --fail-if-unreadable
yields h=6 m=45 s=26
